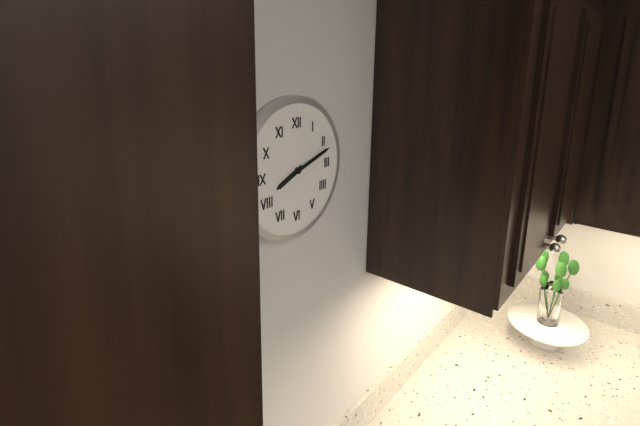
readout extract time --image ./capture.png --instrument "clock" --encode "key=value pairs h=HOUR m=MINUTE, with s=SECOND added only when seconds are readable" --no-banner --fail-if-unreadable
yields h=8 m=12
